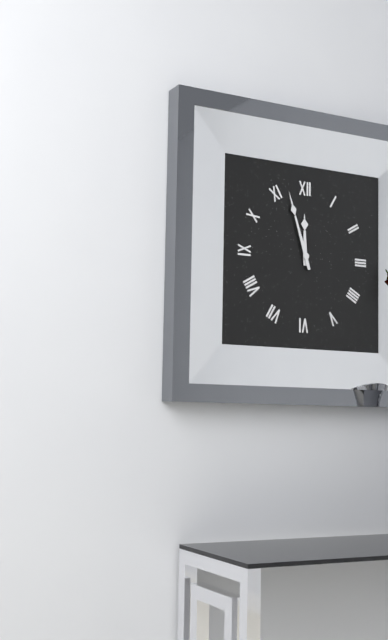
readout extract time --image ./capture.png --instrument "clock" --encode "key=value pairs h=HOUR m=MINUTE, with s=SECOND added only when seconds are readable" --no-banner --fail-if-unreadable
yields h=11 m=57
